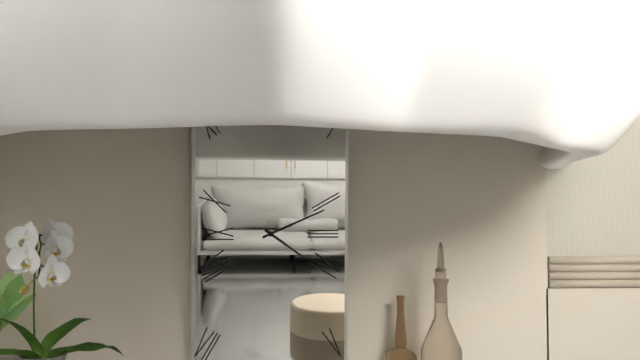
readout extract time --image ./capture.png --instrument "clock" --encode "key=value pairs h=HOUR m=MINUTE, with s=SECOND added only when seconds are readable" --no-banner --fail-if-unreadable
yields h=4 m=11
